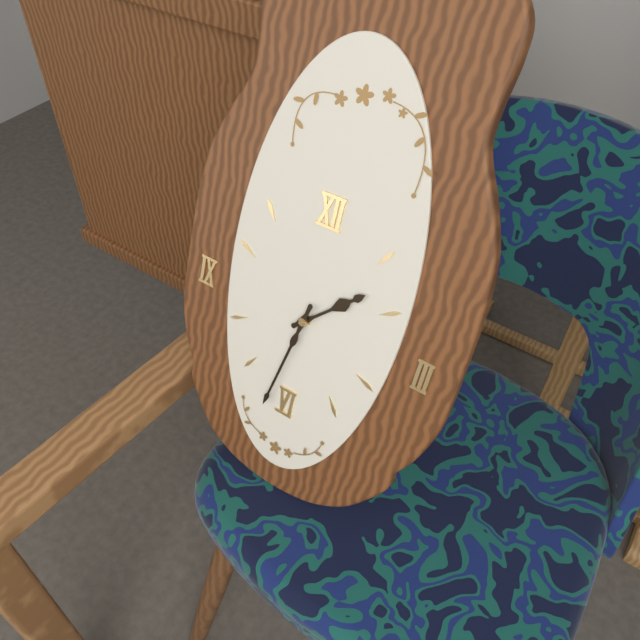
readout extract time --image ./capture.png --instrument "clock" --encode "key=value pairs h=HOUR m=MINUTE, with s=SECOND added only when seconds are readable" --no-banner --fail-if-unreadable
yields h=1 m=32
